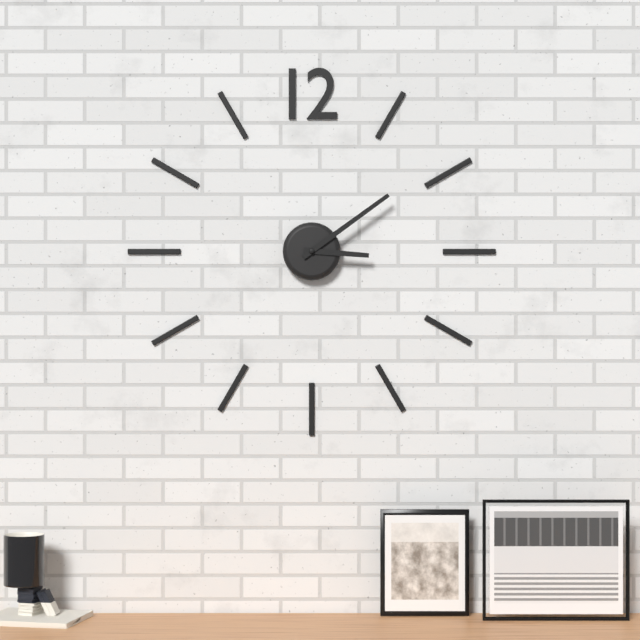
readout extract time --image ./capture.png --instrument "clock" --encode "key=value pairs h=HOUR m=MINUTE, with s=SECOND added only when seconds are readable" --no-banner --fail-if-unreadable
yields h=3 m=9
